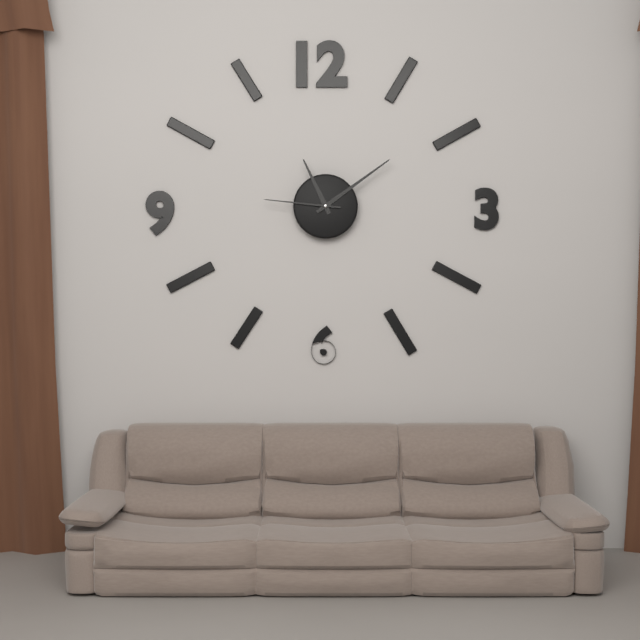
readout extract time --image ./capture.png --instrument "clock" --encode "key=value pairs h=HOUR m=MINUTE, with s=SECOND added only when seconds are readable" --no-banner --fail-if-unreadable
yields h=11 m=9 s=46
